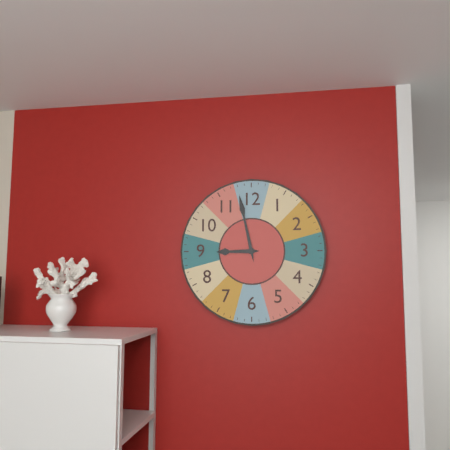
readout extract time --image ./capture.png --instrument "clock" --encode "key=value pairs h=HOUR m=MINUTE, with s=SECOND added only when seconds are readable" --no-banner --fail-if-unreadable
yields h=8 m=58
